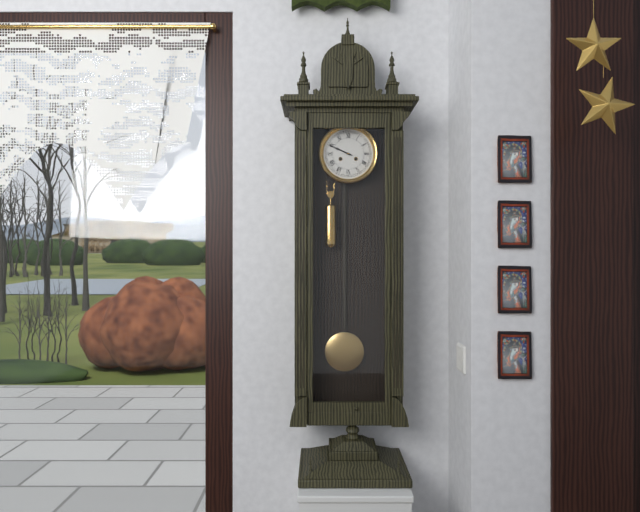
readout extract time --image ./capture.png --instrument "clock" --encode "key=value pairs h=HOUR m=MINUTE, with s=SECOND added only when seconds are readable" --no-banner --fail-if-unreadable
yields h=9 m=49
